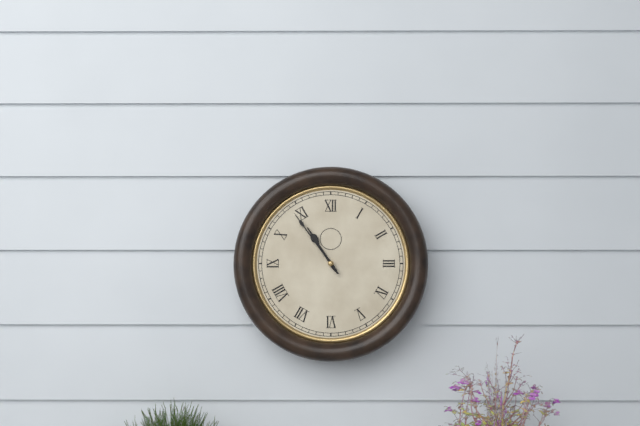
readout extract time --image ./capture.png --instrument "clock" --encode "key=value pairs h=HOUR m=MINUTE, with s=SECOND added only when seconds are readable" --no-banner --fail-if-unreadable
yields h=10 m=54
